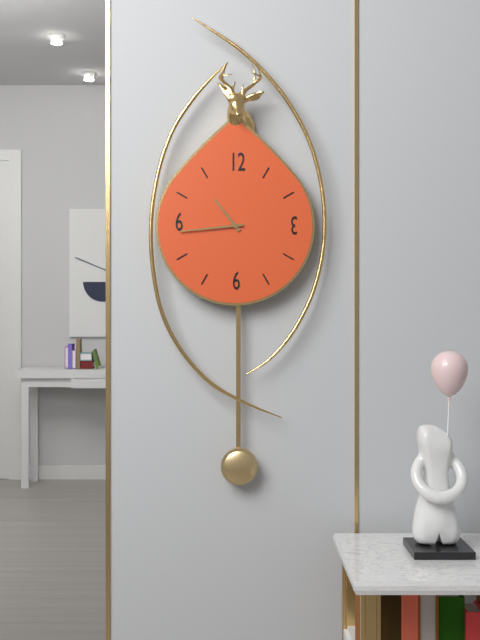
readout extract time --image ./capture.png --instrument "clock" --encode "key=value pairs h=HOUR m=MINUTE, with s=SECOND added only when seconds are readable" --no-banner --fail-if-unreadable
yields h=10 m=44
